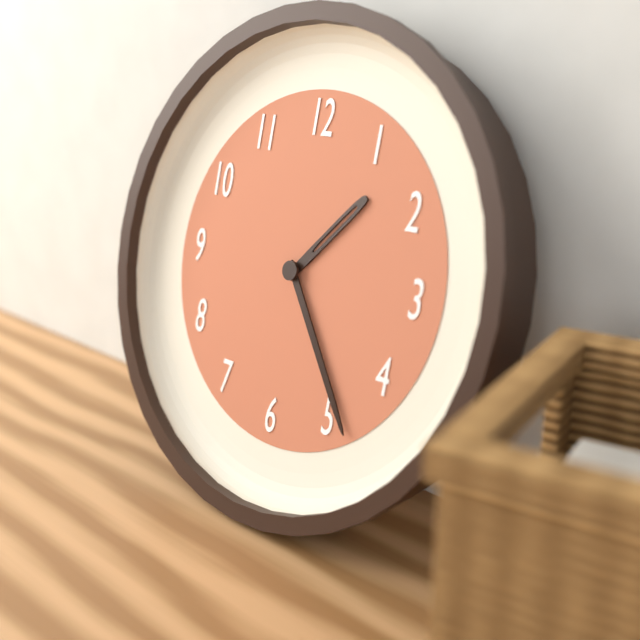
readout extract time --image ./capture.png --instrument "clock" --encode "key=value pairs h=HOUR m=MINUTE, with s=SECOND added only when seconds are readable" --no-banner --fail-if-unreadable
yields h=1 m=24
